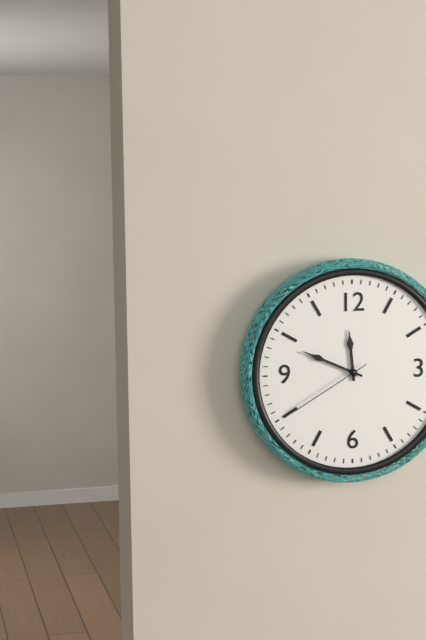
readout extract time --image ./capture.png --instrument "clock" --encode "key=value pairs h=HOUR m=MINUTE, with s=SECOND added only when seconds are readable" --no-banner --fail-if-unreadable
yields h=11 m=49 s=40
